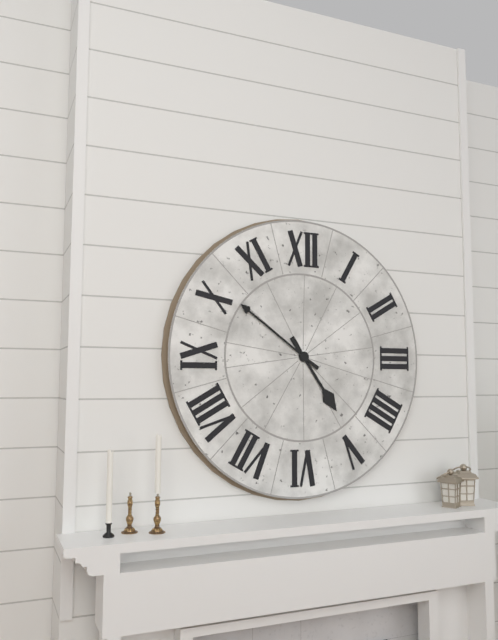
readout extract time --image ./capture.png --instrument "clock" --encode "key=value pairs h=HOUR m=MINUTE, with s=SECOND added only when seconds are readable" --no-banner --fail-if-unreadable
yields h=4 m=51
